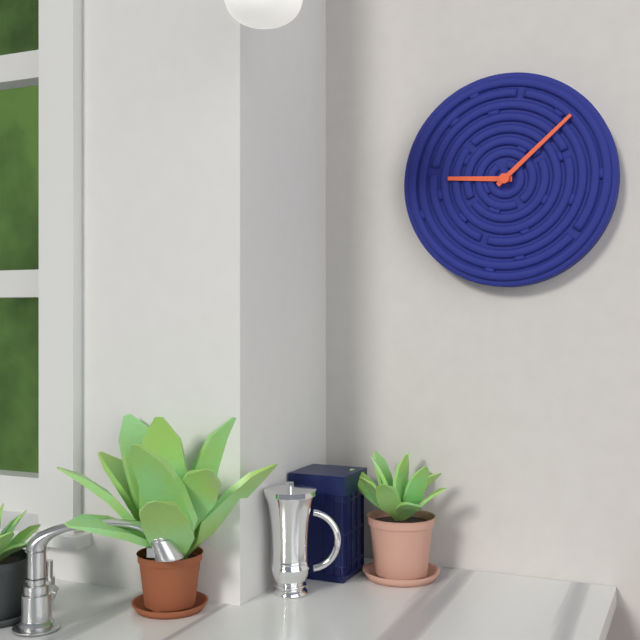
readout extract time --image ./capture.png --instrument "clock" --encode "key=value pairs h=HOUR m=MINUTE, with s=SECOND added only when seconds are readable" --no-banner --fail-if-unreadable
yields h=9 m=8
